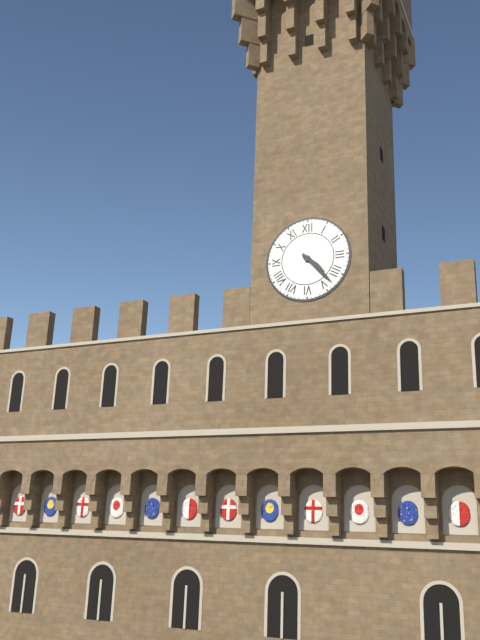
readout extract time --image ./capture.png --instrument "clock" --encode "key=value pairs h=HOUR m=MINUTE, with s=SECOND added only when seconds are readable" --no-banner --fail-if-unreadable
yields h=4 m=23
